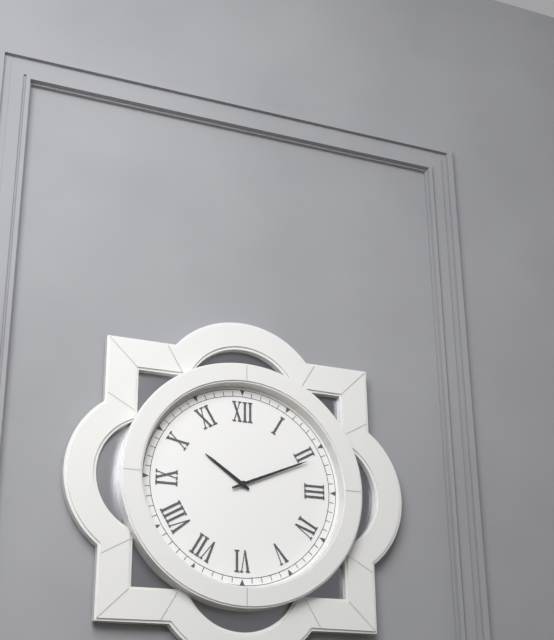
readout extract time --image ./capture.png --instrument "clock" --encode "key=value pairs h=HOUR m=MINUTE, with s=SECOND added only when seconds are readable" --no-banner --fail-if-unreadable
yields h=10 m=11
